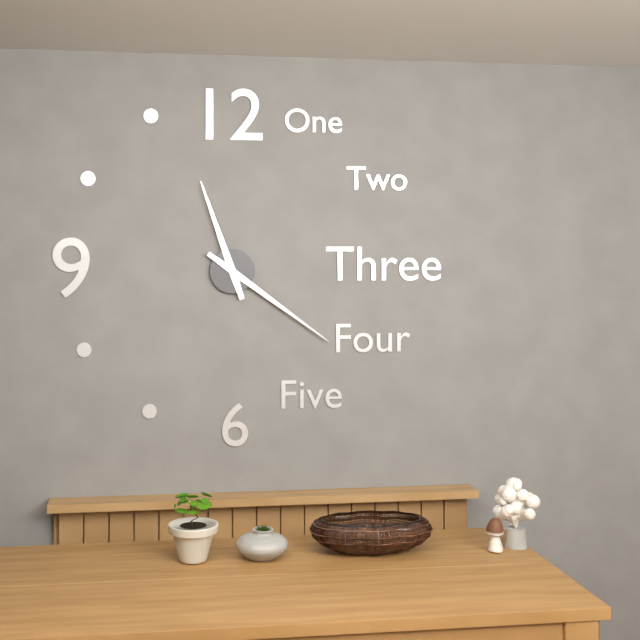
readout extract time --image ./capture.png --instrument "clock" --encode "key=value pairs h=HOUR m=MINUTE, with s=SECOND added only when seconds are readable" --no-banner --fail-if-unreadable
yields h=11 m=21
